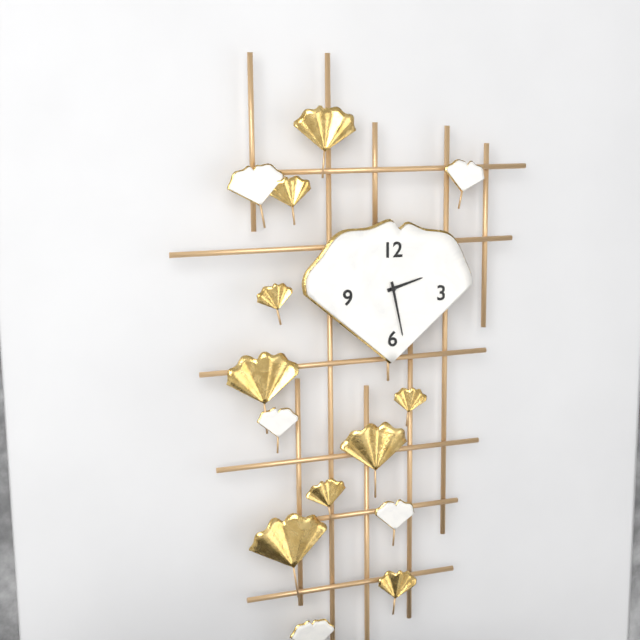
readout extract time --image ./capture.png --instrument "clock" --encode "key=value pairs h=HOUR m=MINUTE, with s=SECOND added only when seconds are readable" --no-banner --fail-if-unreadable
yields h=2 m=28
